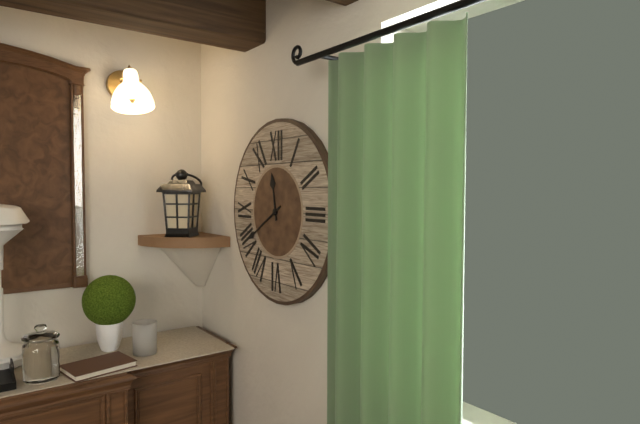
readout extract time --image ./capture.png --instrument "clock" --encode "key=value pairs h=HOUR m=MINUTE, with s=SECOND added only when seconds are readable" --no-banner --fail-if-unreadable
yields h=11 m=40
